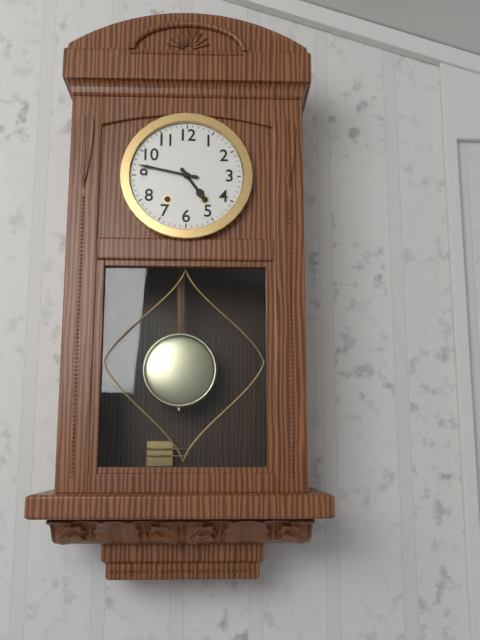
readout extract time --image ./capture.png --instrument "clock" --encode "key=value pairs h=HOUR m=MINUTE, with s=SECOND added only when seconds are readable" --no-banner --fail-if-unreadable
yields h=4 m=47
